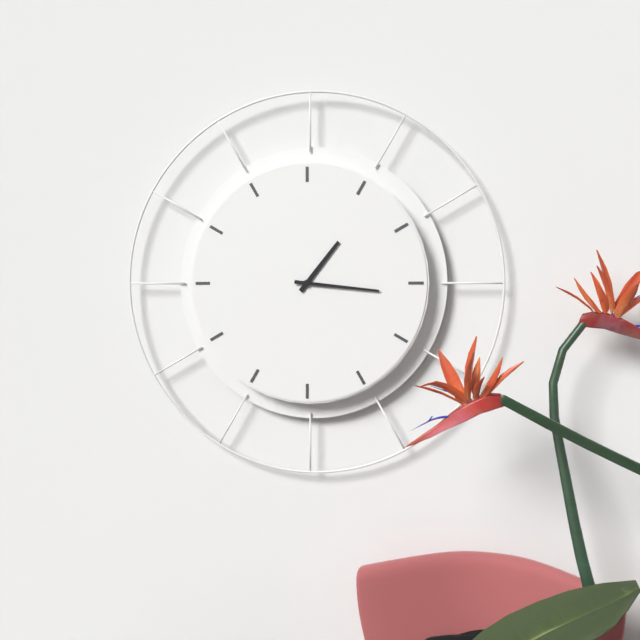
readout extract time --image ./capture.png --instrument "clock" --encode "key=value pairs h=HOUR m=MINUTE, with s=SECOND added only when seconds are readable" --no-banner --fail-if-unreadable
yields h=1 m=16
